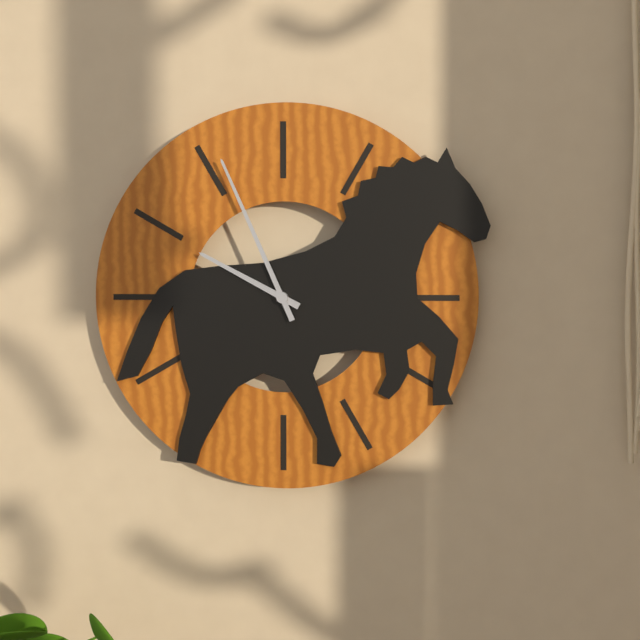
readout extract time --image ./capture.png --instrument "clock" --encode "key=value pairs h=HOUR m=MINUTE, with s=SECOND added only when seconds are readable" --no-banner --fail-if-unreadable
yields h=9 m=56
